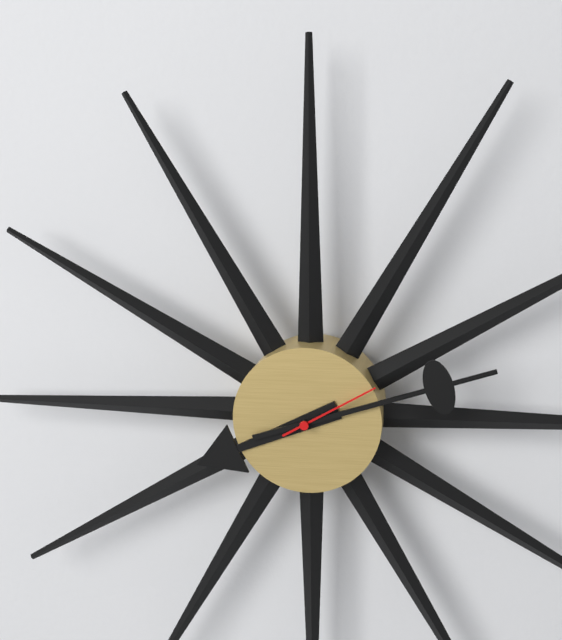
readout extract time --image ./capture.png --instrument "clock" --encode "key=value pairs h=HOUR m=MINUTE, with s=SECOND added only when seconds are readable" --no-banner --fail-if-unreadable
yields h=8 m=12 s=10
